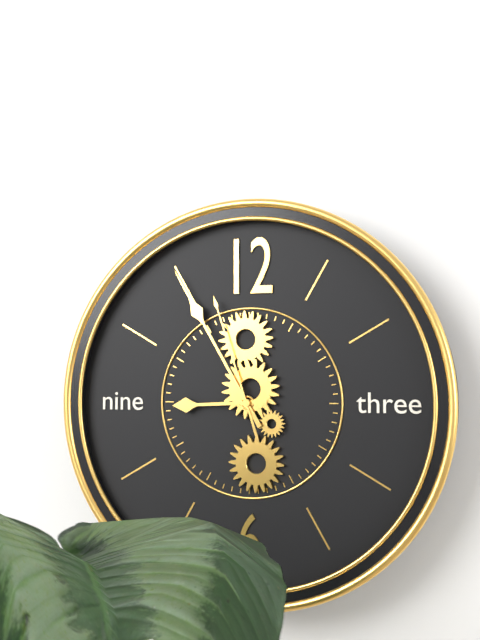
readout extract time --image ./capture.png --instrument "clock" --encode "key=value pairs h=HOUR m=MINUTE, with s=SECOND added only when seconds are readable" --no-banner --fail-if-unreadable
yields h=8 m=55 s=57
